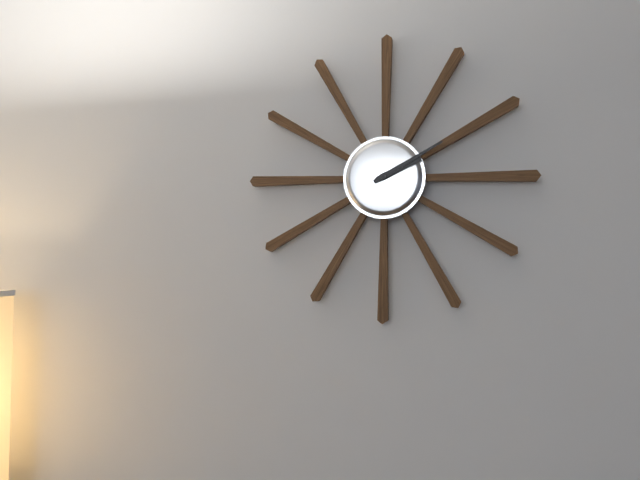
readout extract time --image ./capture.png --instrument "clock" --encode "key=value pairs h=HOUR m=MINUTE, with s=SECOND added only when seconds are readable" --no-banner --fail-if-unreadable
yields h=2 m=10
